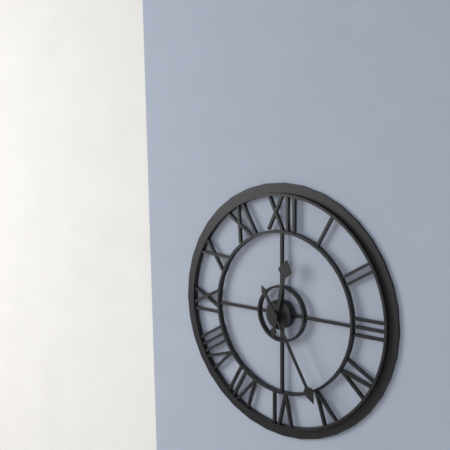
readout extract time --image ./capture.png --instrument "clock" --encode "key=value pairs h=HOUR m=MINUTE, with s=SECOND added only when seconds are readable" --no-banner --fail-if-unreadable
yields h=12 m=25
